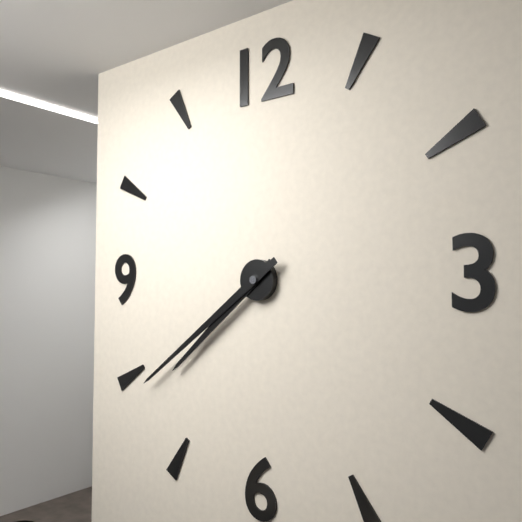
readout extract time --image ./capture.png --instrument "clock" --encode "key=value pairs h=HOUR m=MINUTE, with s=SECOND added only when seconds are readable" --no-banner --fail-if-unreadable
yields h=7 m=39
